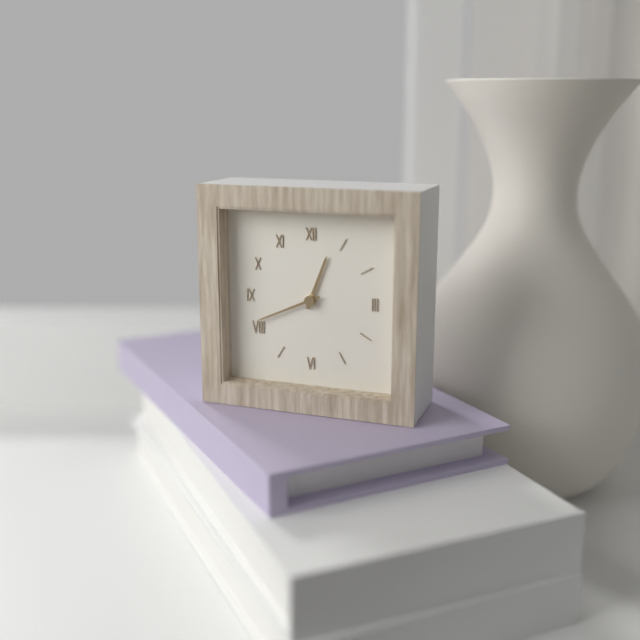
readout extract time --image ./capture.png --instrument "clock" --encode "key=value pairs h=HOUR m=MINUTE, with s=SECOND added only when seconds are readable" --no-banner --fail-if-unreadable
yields h=12 m=41
